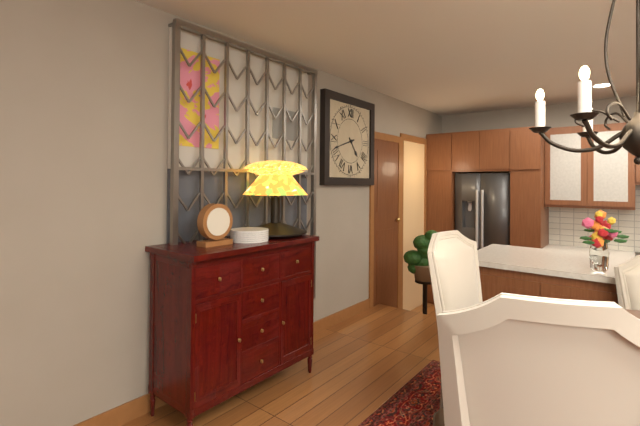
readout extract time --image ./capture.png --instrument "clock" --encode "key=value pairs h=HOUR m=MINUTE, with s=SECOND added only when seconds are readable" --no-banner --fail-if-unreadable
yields h=4 m=42
